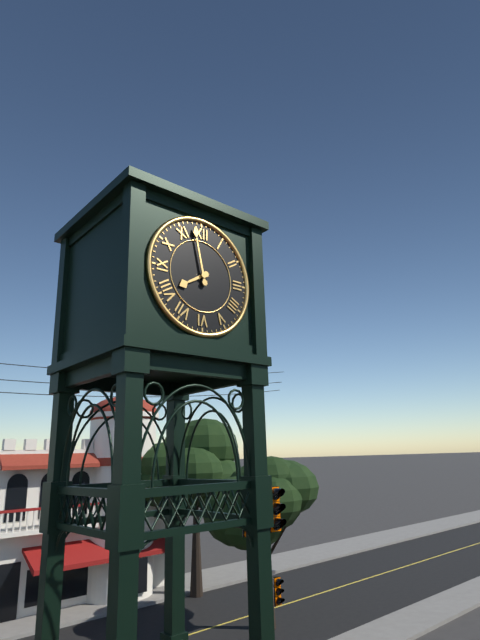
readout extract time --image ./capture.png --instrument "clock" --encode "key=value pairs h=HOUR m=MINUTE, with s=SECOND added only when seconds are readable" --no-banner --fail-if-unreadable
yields h=7 m=58
